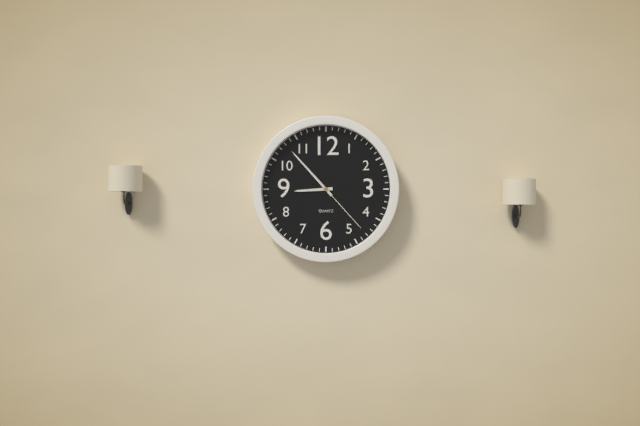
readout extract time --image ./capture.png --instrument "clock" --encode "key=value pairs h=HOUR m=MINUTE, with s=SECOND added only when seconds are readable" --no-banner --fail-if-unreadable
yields h=8 m=53 s=23
